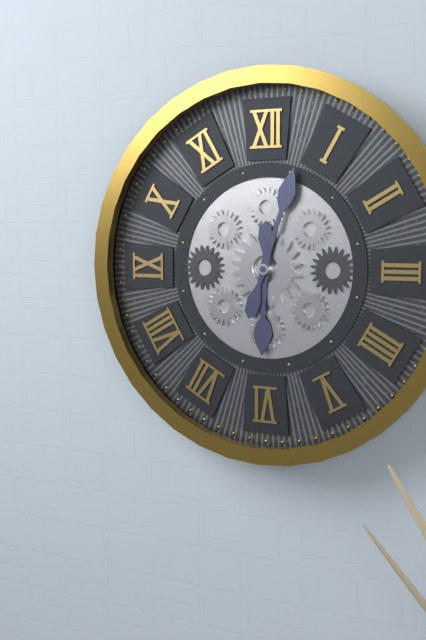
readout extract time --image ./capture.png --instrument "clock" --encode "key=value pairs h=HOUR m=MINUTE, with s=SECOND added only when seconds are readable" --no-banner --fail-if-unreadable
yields h=6 m=3
